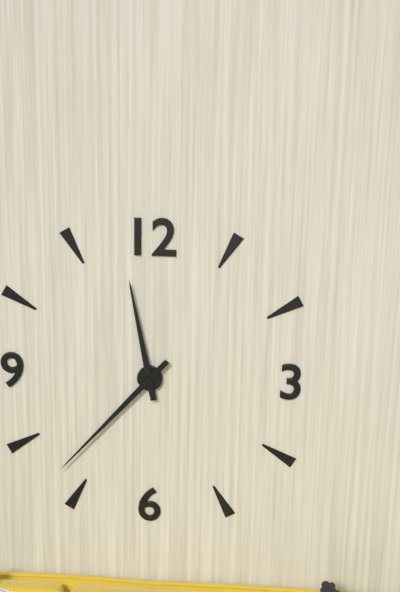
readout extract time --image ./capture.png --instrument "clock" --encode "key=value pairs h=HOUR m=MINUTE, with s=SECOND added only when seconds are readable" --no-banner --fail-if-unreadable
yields h=11 m=37
